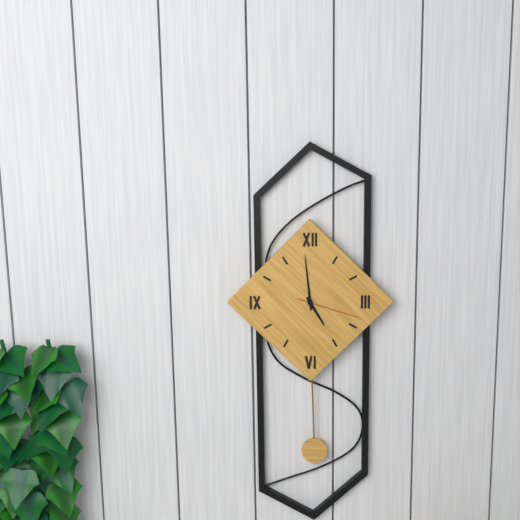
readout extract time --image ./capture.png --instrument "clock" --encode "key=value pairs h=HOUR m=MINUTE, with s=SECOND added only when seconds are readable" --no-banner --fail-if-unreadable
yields h=4 m=59 s=18
